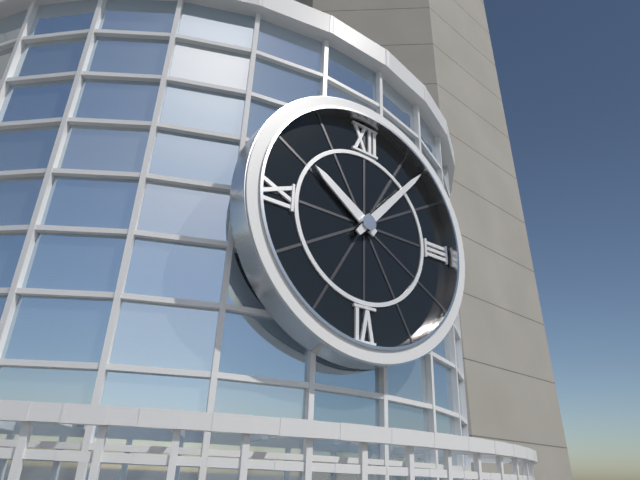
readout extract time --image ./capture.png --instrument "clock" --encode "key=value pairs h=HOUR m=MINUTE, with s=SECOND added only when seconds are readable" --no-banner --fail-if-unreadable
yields h=10 m=7
